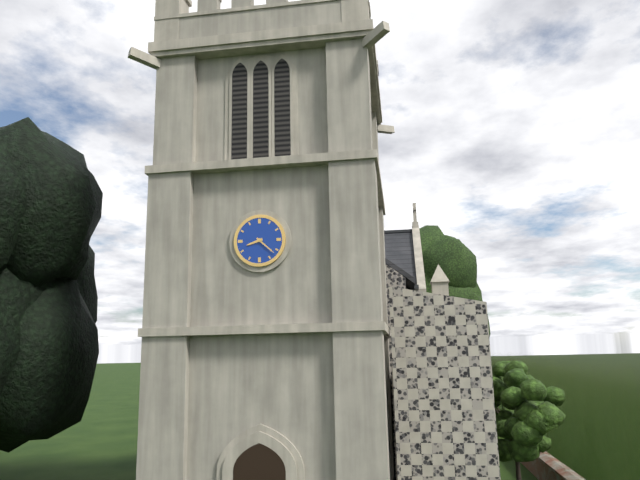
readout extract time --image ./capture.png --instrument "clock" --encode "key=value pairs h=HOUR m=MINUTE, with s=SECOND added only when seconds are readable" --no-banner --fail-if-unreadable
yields h=8 m=22
